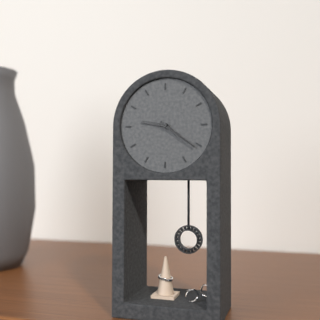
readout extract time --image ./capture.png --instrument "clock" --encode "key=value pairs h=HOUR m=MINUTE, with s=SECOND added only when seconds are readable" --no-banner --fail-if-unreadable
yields h=9 m=21
